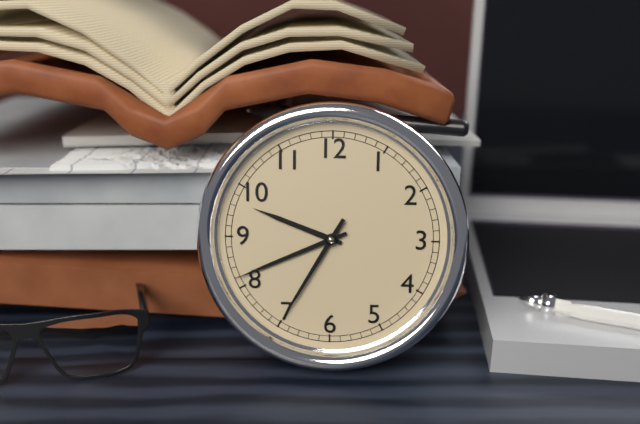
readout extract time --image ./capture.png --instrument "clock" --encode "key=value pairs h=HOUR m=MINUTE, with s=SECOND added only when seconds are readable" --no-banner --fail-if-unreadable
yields h=9 m=41 s=35
